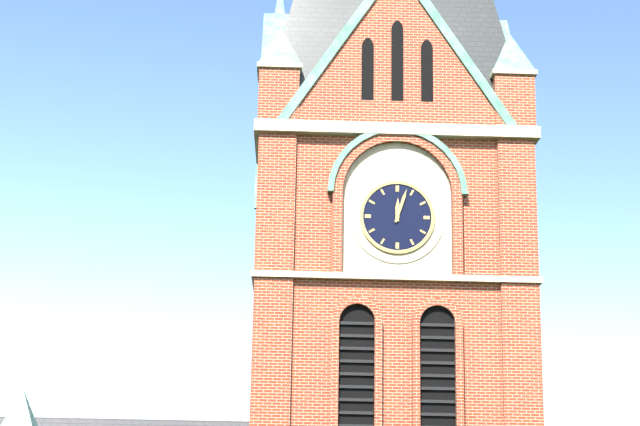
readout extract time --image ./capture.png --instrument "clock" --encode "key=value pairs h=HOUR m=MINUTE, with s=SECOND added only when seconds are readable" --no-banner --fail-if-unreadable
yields h=12 m=3
